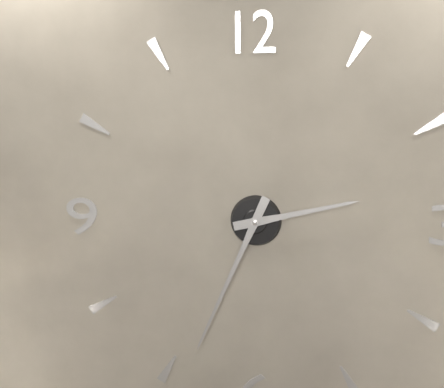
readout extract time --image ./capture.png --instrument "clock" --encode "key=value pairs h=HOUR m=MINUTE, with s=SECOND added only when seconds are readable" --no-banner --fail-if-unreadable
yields h=2 m=34
